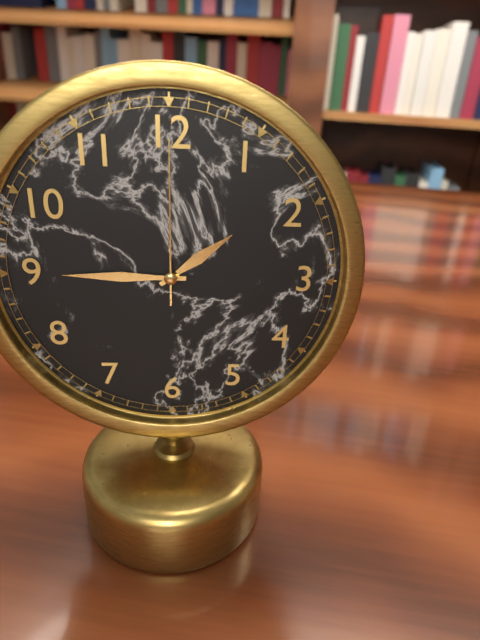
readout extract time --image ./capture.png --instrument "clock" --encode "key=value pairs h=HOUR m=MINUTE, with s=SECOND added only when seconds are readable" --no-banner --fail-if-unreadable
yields h=1 m=45 s=0
